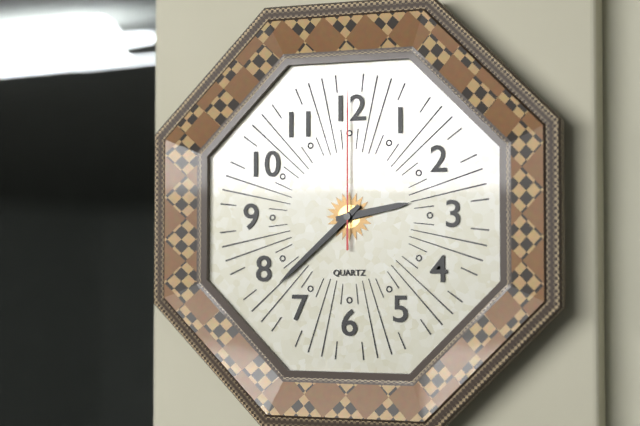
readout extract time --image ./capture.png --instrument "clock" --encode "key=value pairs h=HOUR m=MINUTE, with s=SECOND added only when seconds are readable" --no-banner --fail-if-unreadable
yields h=2 m=38 s=0
